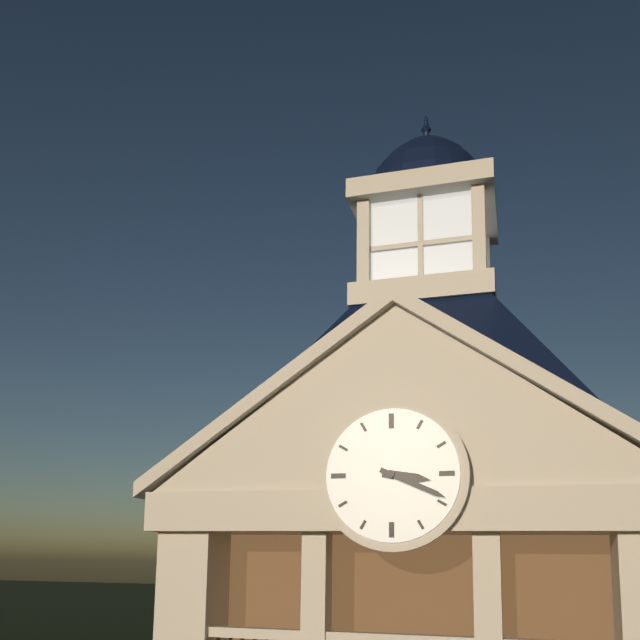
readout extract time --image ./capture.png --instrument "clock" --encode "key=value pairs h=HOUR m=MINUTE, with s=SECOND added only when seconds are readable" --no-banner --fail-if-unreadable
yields h=3 m=19
